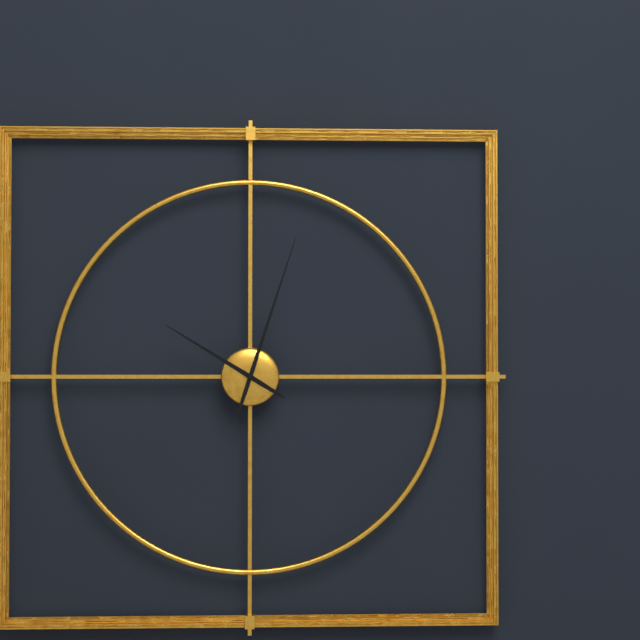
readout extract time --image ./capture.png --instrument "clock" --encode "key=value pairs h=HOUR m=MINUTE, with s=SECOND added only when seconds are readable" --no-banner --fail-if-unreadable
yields h=10 m=3
